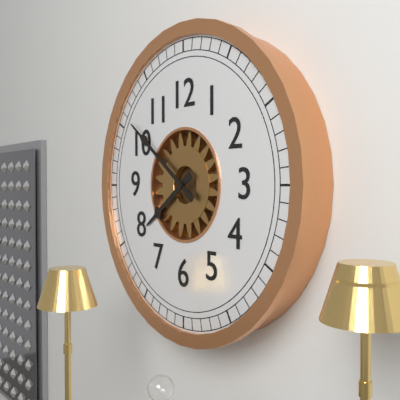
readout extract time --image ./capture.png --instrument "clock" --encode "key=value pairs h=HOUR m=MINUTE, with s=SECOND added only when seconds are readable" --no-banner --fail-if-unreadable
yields h=7 m=51
